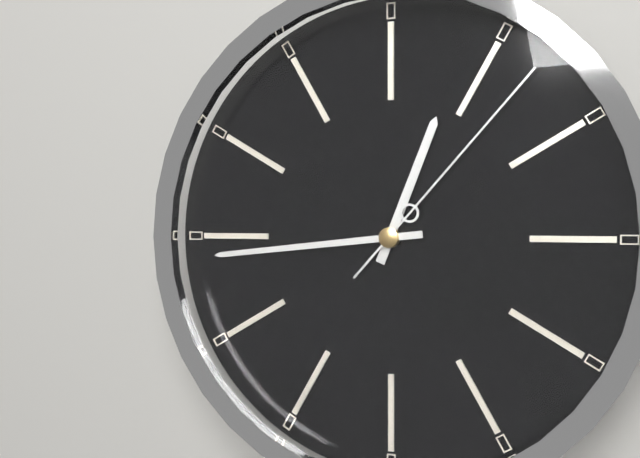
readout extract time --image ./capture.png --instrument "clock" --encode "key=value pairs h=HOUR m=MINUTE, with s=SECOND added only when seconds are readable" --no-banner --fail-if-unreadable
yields h=12 m=44 s=7
